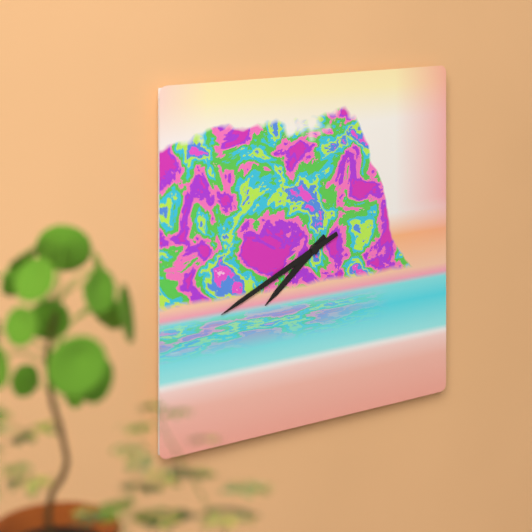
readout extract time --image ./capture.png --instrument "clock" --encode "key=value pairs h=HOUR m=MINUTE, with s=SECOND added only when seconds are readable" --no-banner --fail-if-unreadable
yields h=7 m=41
